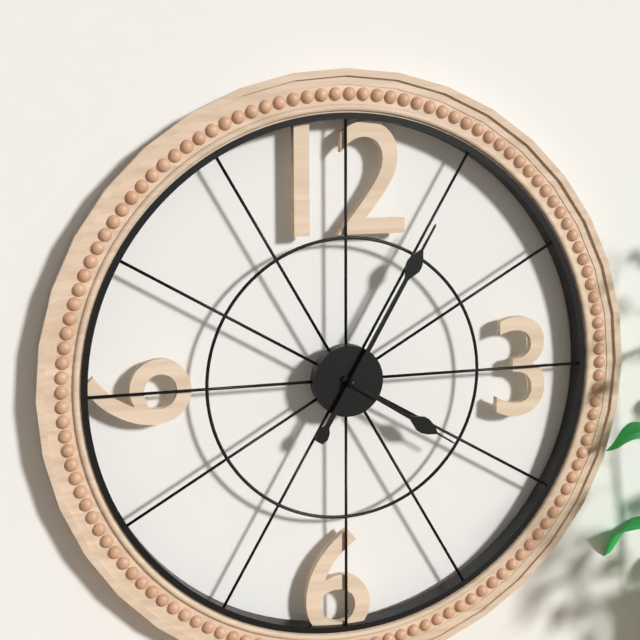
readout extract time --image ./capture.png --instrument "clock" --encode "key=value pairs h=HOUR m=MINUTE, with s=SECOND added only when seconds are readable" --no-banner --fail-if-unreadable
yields h=4 m=5
